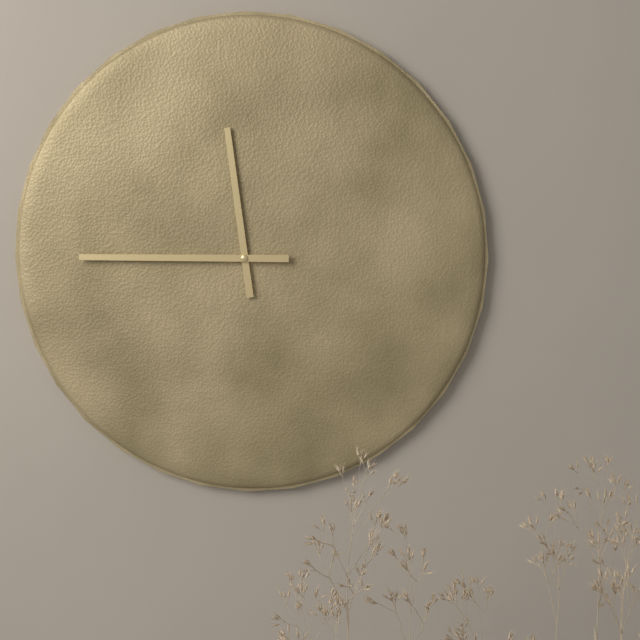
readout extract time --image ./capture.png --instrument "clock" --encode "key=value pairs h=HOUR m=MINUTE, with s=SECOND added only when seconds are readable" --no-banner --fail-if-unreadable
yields h=11 m=45
